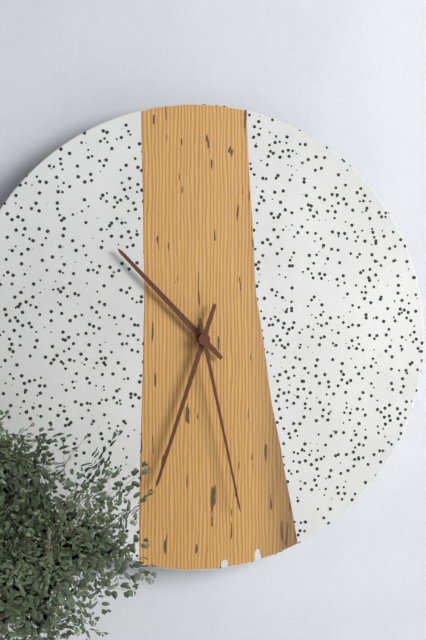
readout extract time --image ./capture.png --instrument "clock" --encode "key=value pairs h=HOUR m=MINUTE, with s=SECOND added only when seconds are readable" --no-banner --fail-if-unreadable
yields h=10 m=33 s=28
